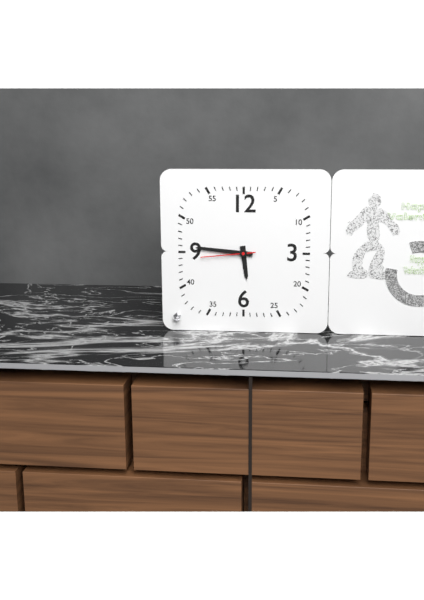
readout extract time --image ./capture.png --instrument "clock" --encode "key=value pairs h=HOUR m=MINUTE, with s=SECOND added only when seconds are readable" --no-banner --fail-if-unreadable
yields h=5 m=46 s=44
